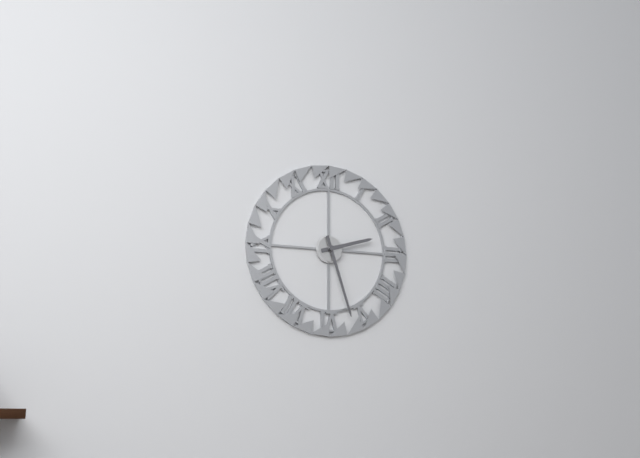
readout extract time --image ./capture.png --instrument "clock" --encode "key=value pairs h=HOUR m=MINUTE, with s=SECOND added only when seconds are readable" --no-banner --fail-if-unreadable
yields h=2 m=27
